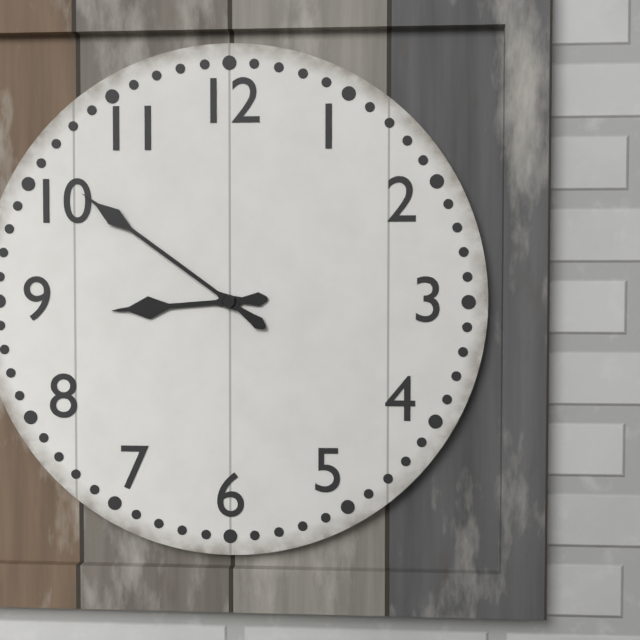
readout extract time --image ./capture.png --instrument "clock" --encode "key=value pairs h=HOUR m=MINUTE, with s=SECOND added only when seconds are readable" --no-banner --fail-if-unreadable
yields h=8 m=51
